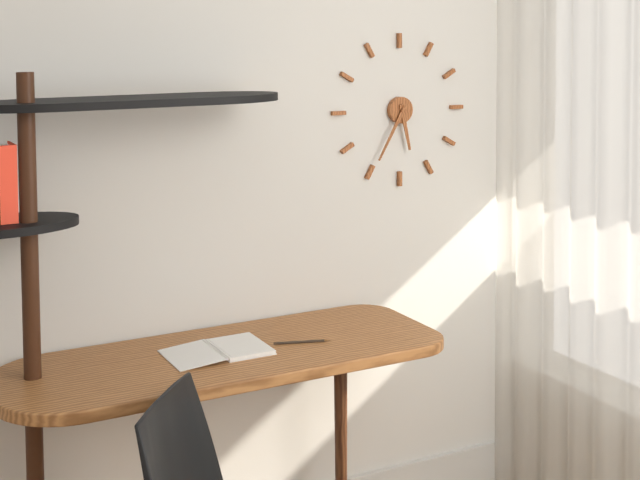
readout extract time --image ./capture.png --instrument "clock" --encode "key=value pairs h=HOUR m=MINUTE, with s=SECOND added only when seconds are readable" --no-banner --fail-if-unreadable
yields h=5 m=35
